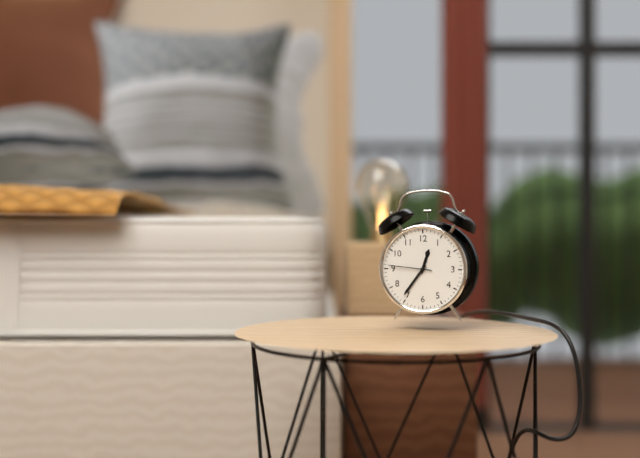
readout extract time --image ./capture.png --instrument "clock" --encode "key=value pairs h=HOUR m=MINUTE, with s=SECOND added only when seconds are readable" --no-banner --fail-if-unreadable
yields h=12 m=36
